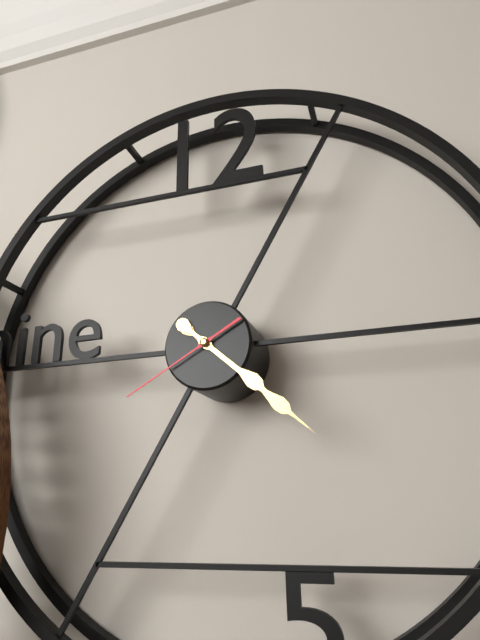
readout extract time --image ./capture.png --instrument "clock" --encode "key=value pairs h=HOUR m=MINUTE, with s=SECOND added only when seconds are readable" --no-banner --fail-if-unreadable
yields h=4 m=22 s=40
